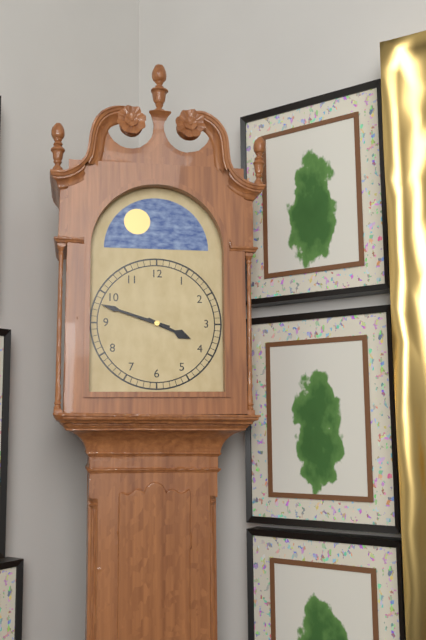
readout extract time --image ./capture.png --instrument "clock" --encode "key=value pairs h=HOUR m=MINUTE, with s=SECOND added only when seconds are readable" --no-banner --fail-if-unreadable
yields h=3 m=48
